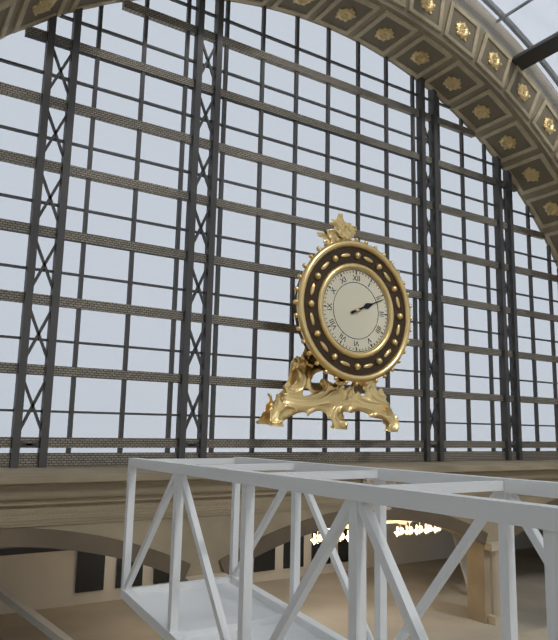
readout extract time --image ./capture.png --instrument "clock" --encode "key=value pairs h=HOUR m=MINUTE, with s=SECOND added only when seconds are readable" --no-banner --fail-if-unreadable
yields h=2 m=11
